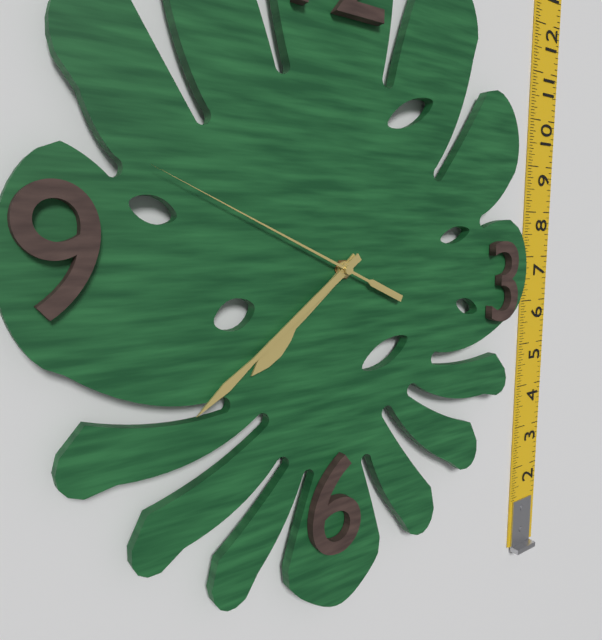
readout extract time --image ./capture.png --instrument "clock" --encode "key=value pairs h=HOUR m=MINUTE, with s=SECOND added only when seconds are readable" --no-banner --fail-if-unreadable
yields h=7 m=39 s=49
